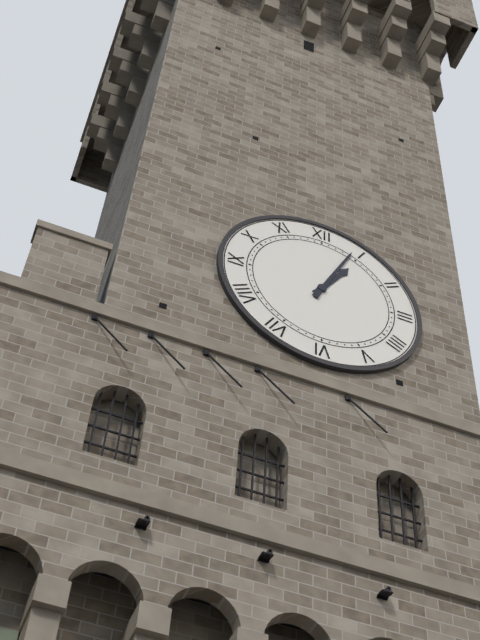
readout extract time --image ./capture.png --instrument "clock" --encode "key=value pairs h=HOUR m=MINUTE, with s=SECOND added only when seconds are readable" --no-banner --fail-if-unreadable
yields h=1 m=4
